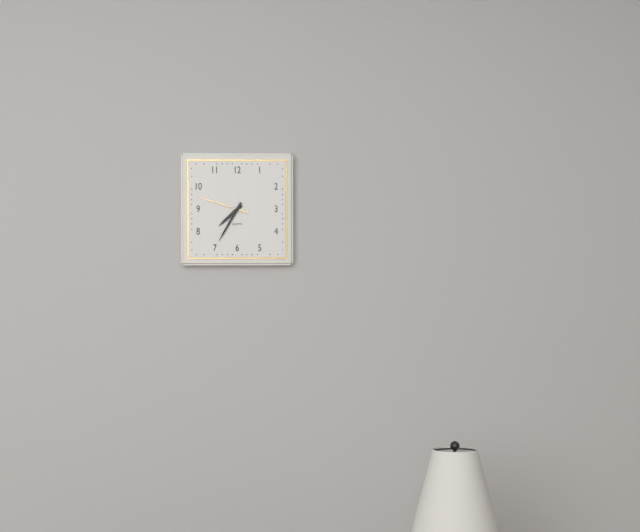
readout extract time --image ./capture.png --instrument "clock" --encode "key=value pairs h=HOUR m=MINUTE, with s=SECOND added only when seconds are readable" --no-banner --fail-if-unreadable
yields h=7 m=35
